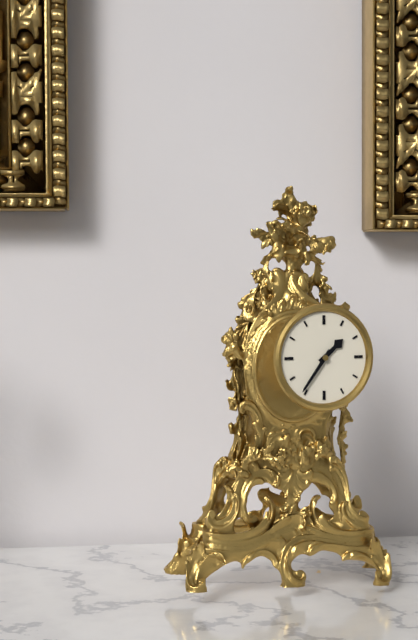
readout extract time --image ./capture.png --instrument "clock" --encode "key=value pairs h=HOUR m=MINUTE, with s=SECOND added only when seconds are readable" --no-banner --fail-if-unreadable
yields h=1 m=36
